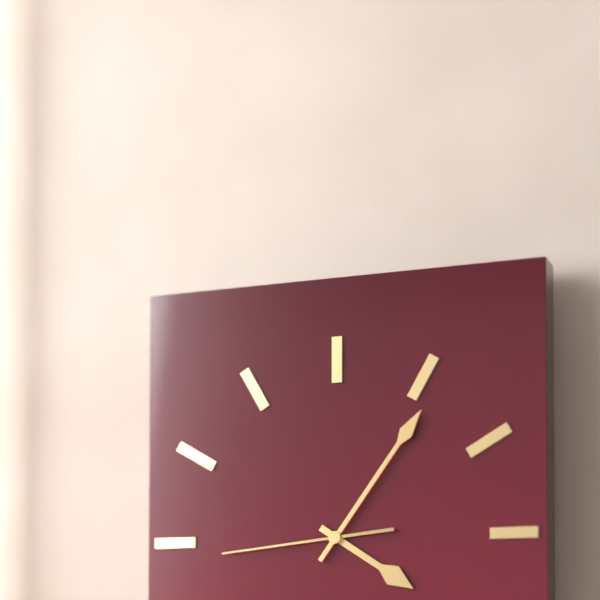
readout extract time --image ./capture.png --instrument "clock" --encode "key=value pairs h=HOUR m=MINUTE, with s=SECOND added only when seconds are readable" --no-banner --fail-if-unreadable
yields h=4 m=6 s=44
